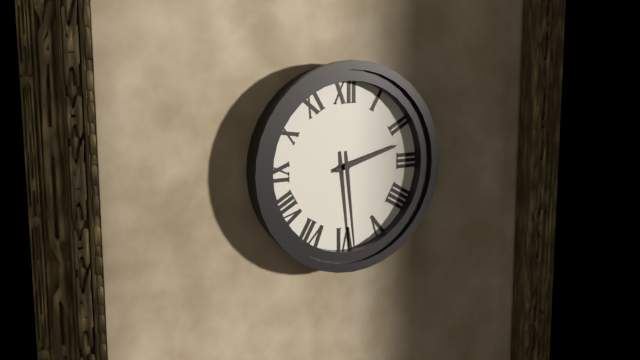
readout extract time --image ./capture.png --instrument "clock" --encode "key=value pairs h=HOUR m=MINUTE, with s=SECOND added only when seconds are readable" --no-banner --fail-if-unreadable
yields h=2 m=29
